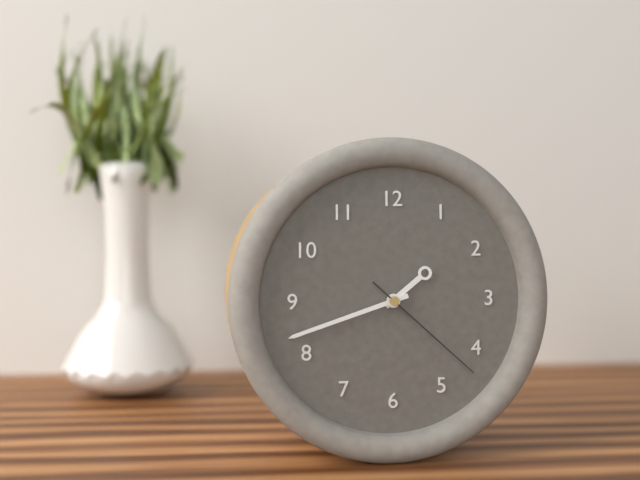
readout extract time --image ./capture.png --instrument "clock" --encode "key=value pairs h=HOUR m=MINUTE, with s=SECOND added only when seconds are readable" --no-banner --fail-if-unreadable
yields h=1 m=42 s=22
